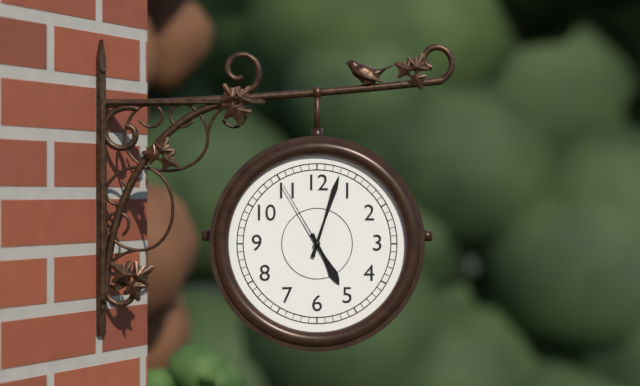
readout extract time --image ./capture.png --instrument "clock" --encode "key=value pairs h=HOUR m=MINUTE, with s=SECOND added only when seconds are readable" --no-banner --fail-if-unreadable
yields h=5 m=3 s=55
